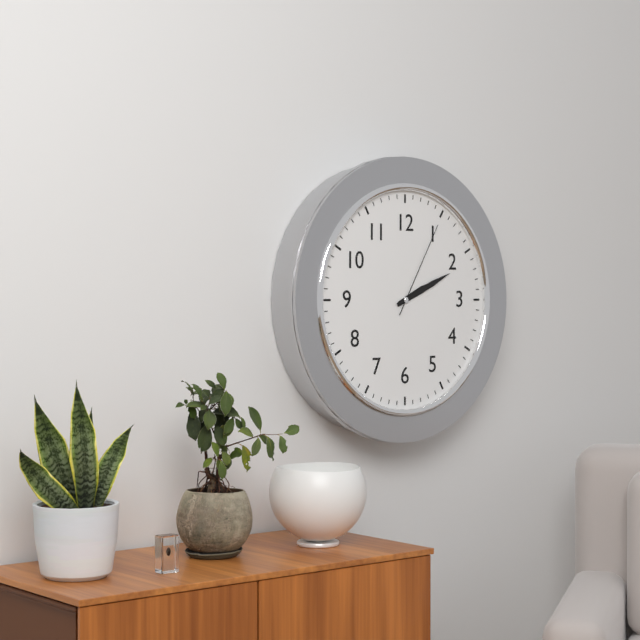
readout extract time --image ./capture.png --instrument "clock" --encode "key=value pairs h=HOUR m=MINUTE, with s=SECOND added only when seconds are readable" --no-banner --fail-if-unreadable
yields h=2 m=11 s=5
